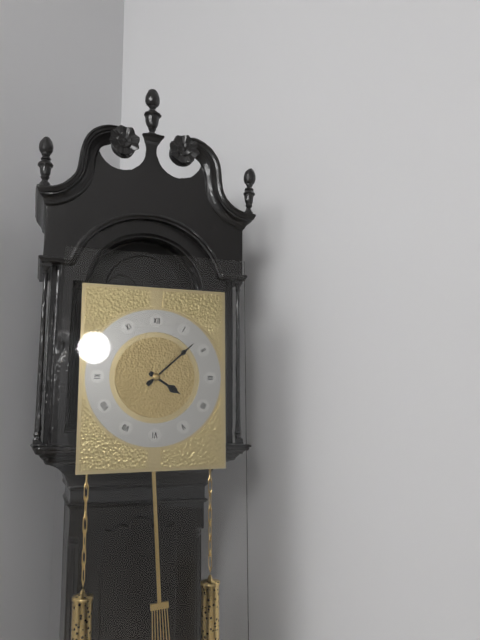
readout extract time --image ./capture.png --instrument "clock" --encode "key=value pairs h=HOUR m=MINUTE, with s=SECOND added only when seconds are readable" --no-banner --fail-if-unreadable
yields h=4 m=8
